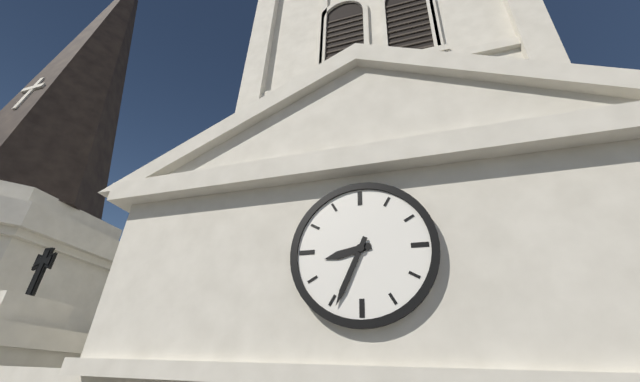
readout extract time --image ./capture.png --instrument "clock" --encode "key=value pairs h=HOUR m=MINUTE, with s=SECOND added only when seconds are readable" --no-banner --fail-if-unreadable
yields h=8 m=34
